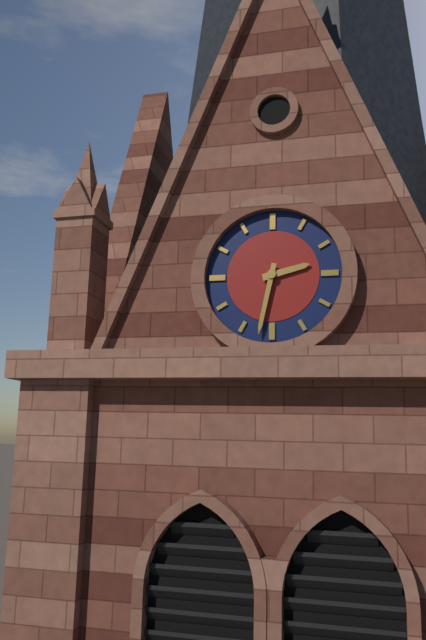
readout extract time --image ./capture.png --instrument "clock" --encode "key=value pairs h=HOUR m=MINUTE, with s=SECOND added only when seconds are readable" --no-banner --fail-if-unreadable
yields h=2 m=32
